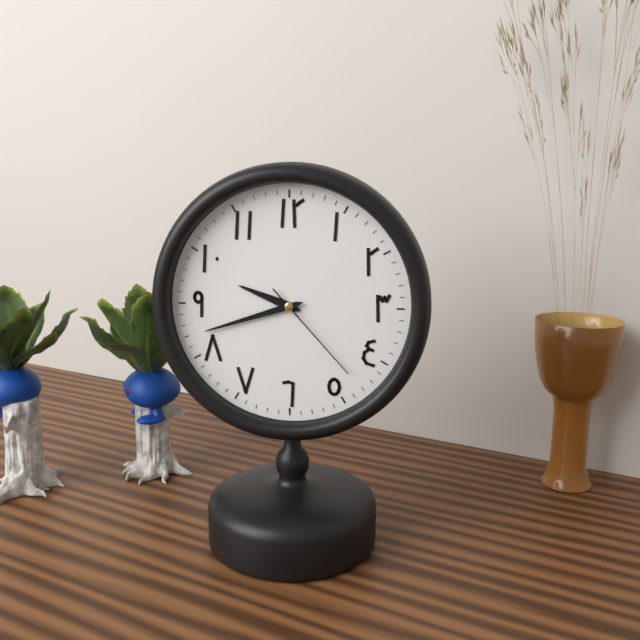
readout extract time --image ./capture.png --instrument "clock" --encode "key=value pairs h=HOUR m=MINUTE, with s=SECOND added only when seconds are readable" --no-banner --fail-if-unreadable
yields h=9 m=42 s=23
